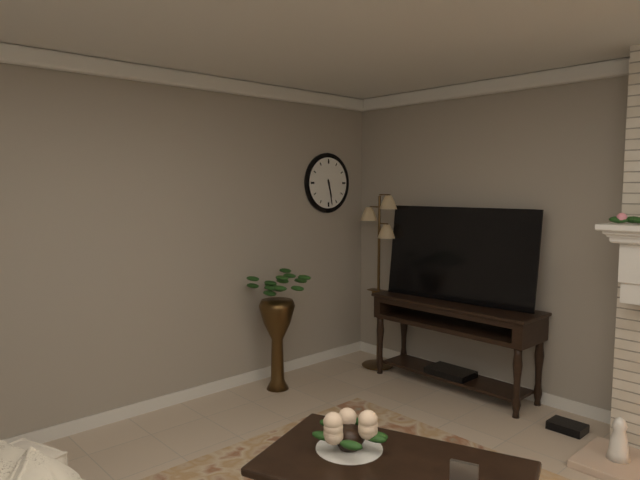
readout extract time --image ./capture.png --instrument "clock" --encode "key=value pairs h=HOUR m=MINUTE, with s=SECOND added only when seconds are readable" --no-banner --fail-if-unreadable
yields h=5 m=28
